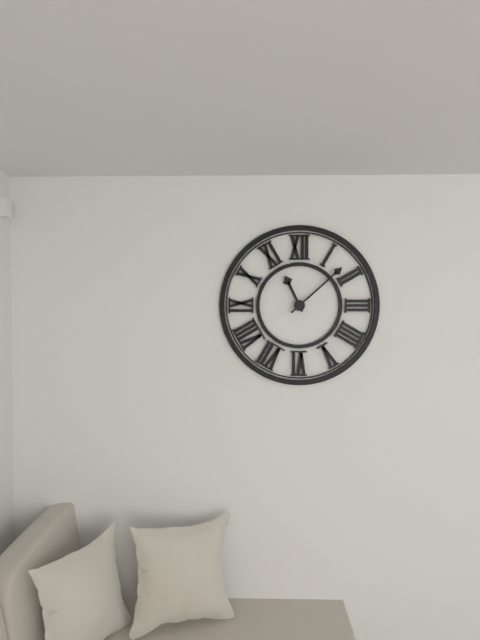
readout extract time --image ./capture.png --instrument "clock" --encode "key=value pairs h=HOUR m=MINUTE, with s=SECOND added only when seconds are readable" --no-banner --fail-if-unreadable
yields h=11 m=8
